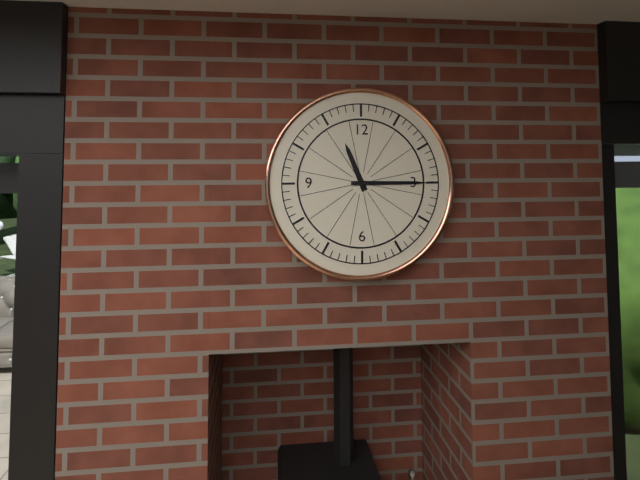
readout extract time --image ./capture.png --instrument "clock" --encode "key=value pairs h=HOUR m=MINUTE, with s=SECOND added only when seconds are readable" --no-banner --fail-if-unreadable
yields h=11 m=15
